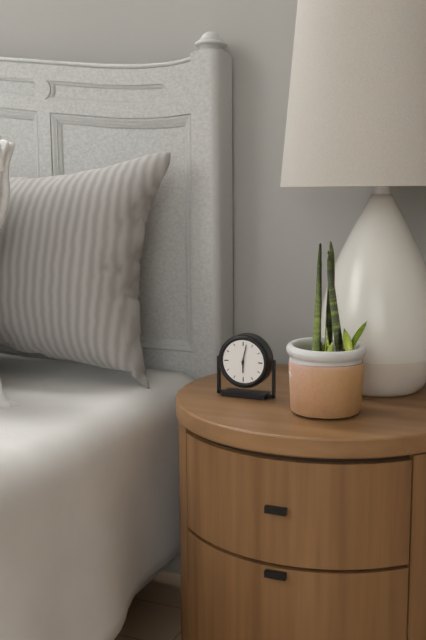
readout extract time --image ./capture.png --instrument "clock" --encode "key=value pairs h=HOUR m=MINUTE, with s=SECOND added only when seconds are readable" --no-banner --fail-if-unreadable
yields h=6 m=2
